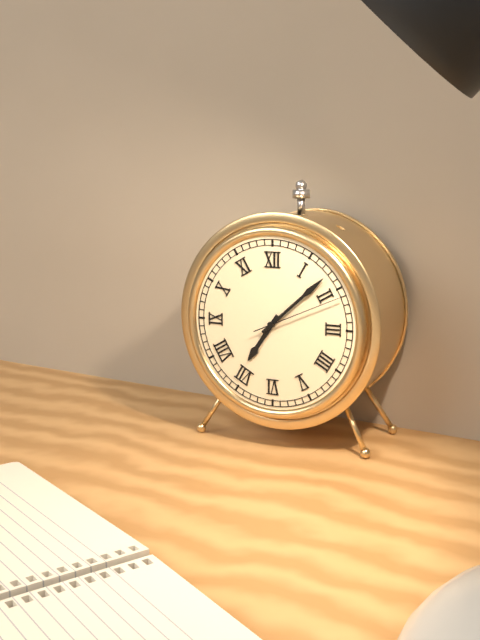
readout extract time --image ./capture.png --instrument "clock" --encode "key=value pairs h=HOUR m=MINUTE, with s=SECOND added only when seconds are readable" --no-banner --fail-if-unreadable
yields h=7 m=8 s=11
